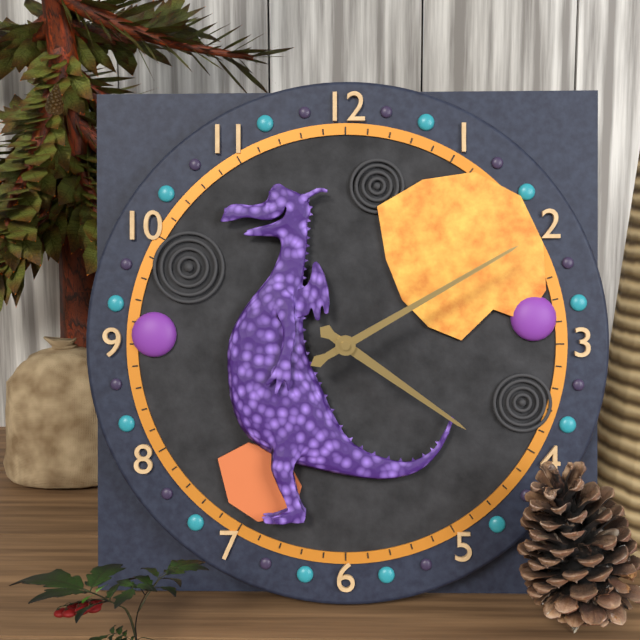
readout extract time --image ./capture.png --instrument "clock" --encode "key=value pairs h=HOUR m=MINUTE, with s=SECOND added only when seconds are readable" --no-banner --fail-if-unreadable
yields h=4 m=10
